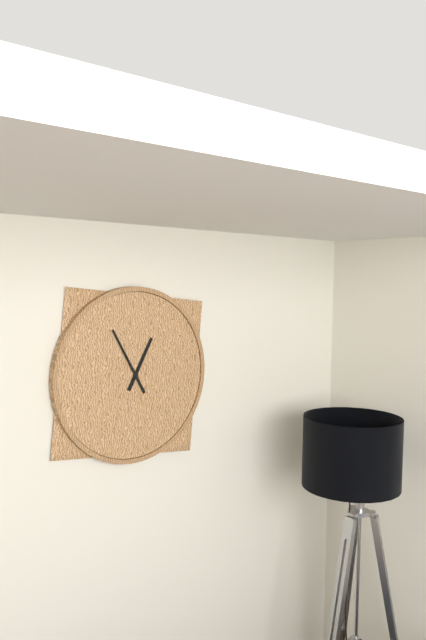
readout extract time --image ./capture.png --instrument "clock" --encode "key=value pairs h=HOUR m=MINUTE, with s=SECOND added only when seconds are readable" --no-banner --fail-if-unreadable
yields h=12 m=55
